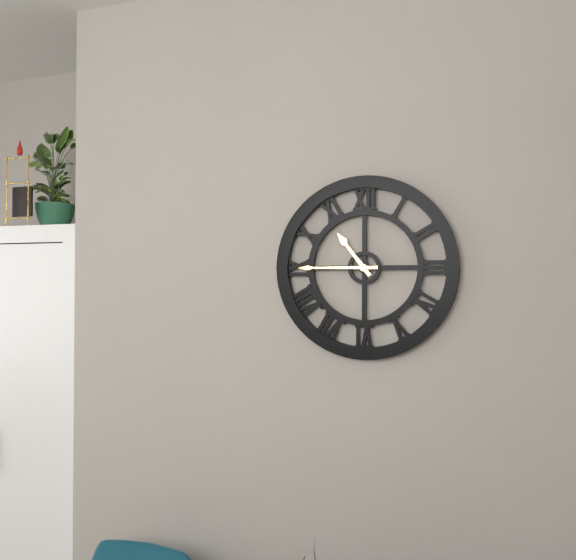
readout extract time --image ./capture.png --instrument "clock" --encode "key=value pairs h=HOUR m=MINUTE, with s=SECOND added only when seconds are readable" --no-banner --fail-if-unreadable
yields h=10 m=45
